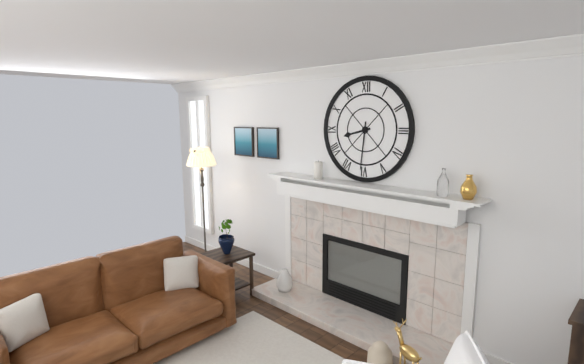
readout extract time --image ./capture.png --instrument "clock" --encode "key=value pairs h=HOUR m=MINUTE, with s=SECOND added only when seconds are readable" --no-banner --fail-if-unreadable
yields h=8 m=31
